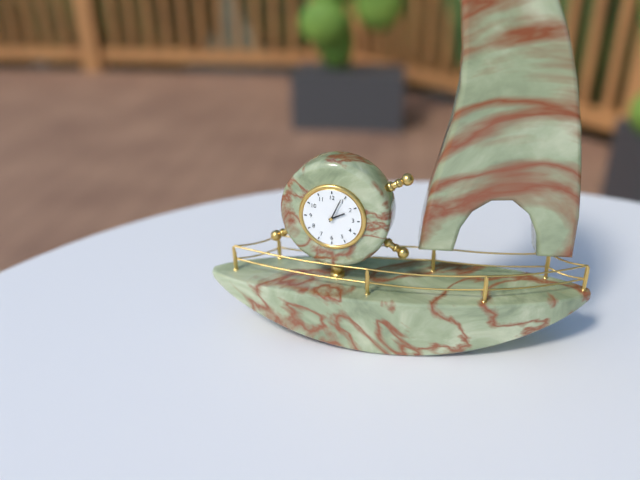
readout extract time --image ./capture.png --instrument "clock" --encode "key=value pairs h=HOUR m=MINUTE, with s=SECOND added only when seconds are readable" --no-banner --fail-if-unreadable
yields h=2 m=4
